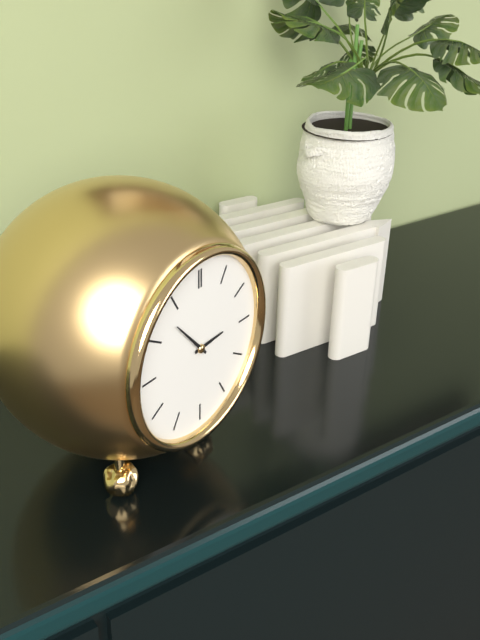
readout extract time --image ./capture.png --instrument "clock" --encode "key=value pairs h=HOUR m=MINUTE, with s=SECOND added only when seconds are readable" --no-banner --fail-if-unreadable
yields h=2 m=53
